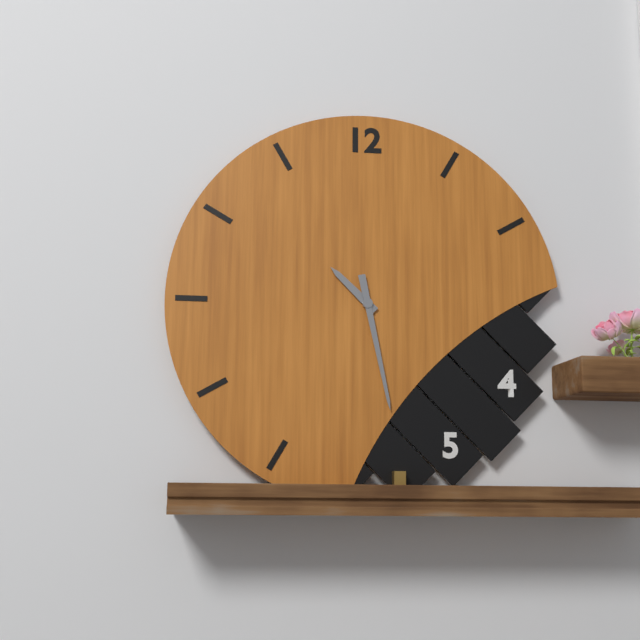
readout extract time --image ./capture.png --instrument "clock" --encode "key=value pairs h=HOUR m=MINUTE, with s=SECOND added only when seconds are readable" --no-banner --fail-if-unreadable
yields h=10 m=28
